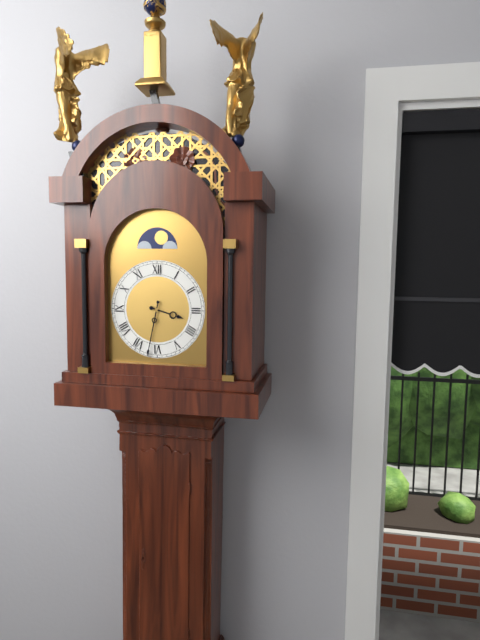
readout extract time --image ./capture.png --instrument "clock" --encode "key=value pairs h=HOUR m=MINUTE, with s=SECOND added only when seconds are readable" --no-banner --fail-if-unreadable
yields h=3 m=32
